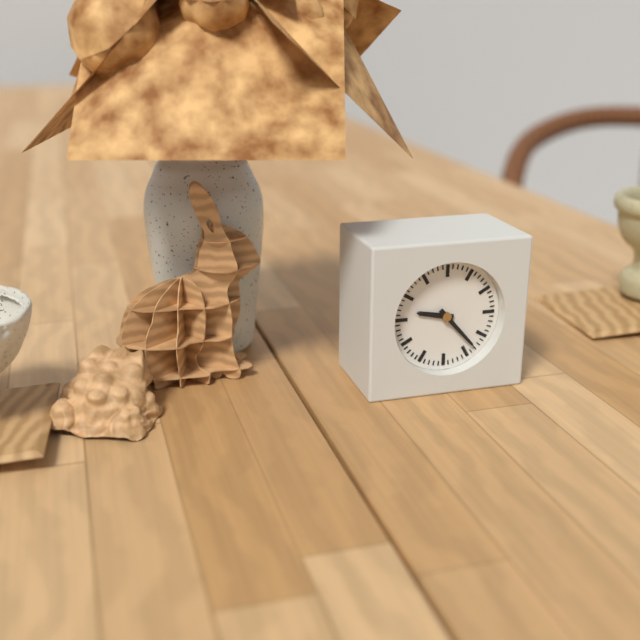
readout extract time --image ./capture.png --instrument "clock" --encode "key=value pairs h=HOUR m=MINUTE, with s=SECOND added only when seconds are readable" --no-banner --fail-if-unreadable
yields h=9 m=23
